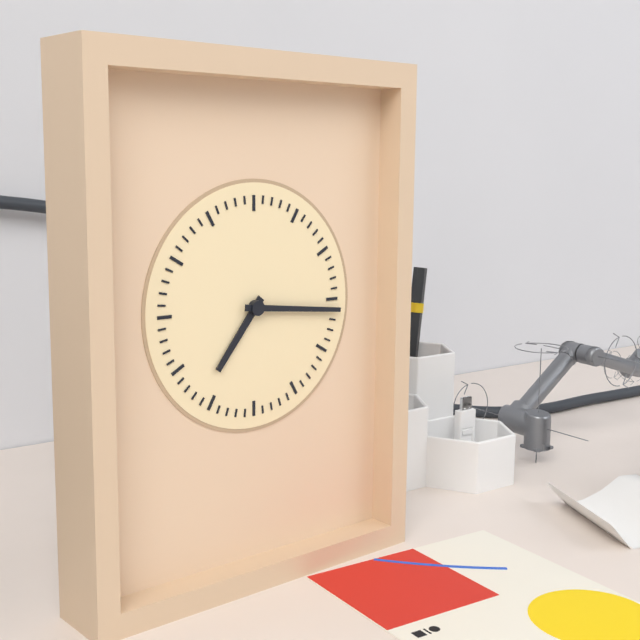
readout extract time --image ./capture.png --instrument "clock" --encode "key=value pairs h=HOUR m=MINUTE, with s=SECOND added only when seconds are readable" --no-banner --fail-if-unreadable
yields h=7 m=16
